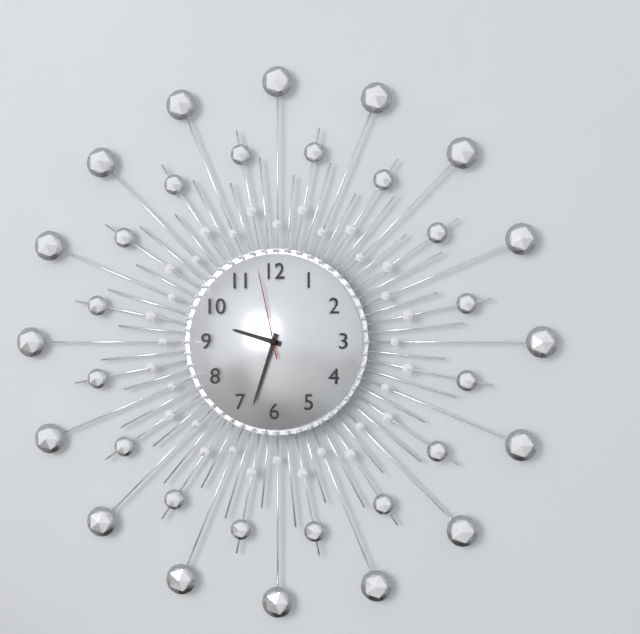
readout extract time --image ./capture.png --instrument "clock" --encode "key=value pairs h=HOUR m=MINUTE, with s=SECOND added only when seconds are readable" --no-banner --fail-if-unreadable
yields h=9 m=33 s=58
